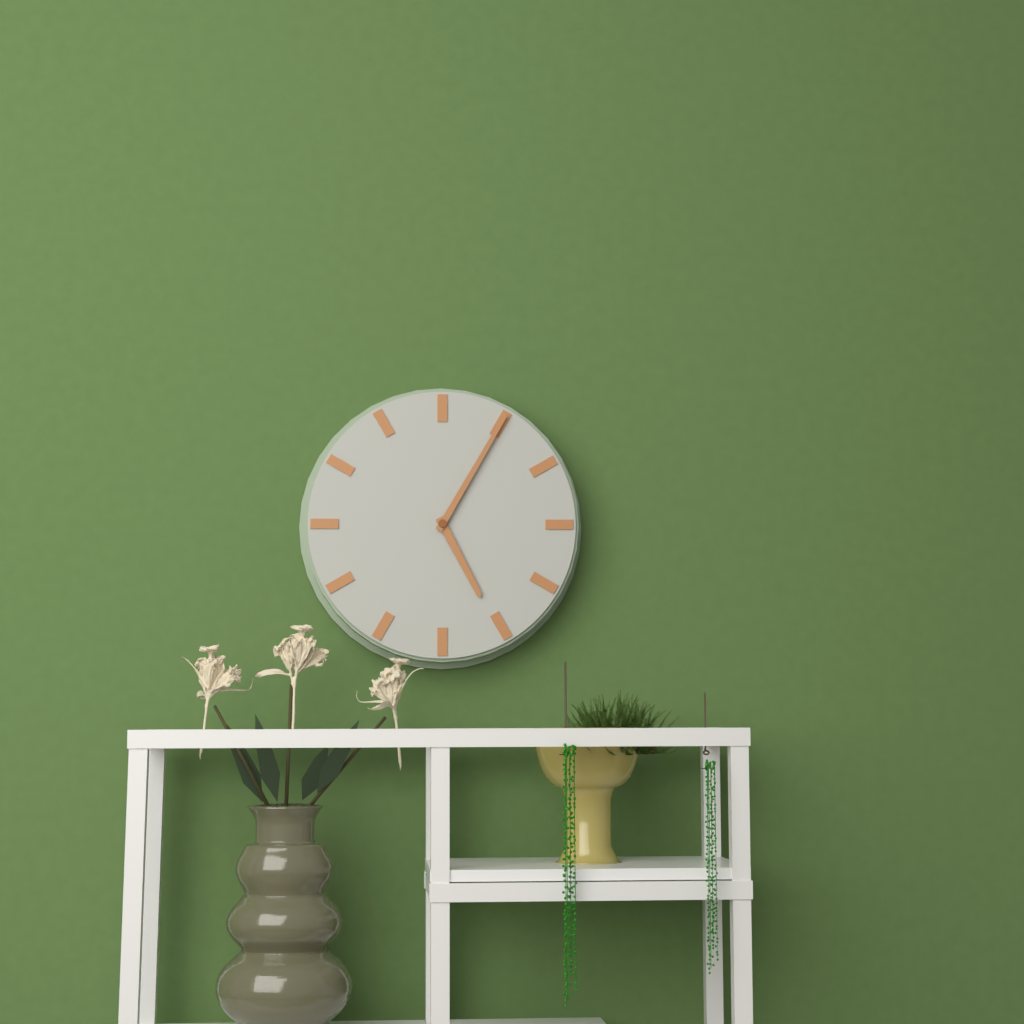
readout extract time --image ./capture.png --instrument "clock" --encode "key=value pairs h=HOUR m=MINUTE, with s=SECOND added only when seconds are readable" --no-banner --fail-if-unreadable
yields h=5 m=5
